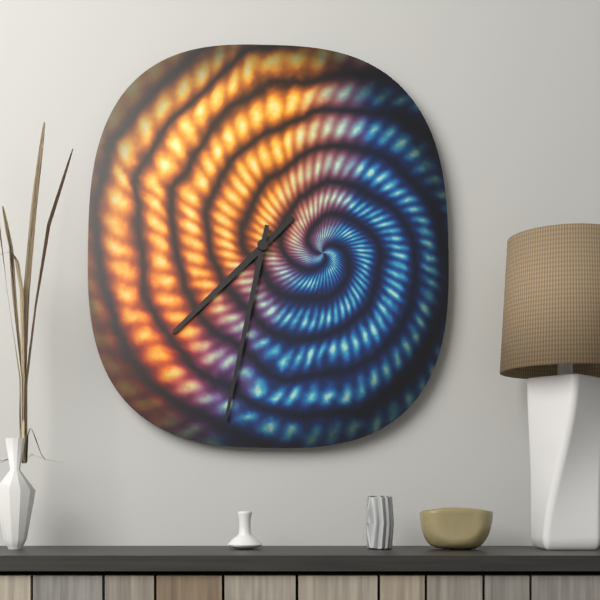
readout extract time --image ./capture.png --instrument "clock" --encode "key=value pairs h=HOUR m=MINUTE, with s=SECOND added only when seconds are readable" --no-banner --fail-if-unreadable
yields h=7 m=32
